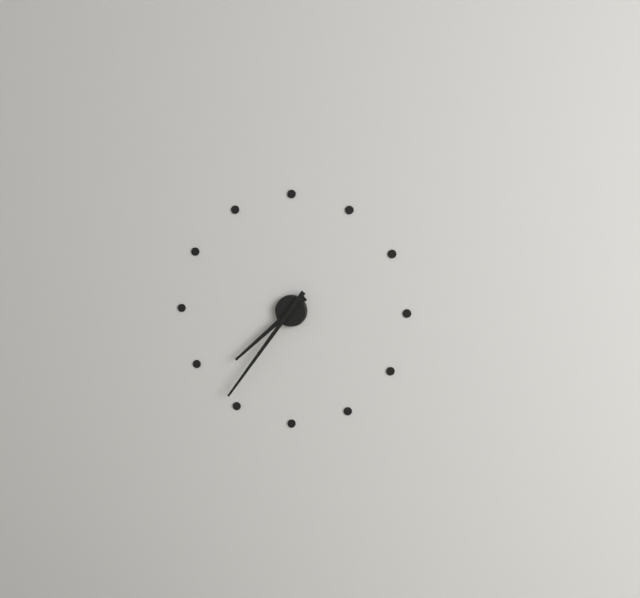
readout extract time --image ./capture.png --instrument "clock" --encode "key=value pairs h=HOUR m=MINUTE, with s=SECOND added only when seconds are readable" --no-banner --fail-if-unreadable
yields h=7 m=36
